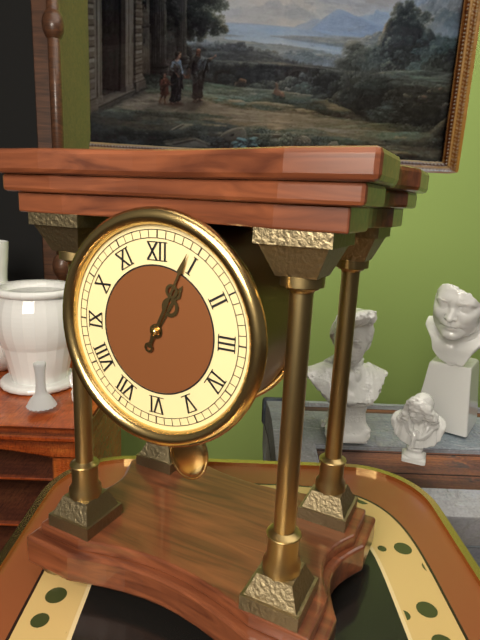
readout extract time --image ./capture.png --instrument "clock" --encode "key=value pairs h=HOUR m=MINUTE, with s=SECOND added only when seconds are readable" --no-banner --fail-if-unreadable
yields h=1 m=4
